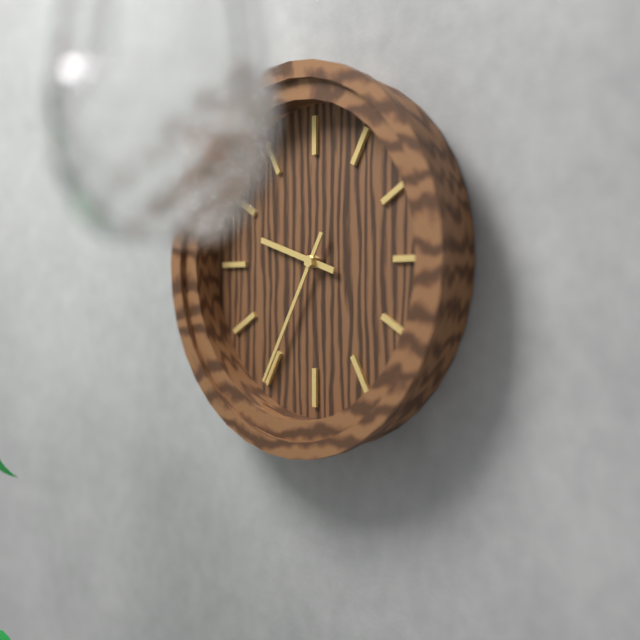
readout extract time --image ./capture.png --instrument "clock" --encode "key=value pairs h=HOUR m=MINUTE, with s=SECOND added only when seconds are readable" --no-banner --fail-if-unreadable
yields h=9 m=35
